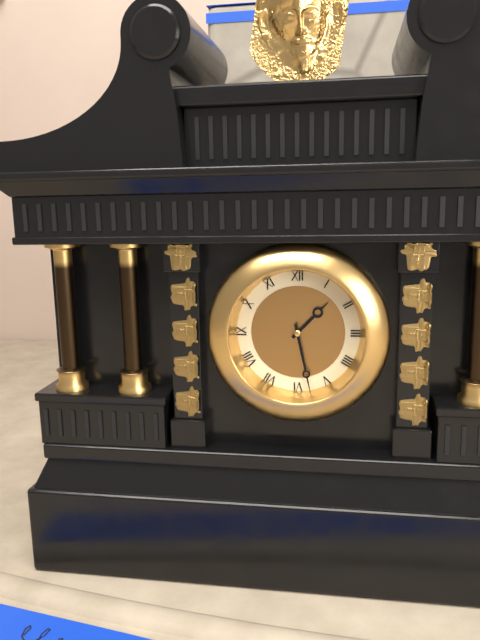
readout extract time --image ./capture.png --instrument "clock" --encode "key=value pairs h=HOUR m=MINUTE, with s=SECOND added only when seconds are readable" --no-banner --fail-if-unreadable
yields h=1 m=28
